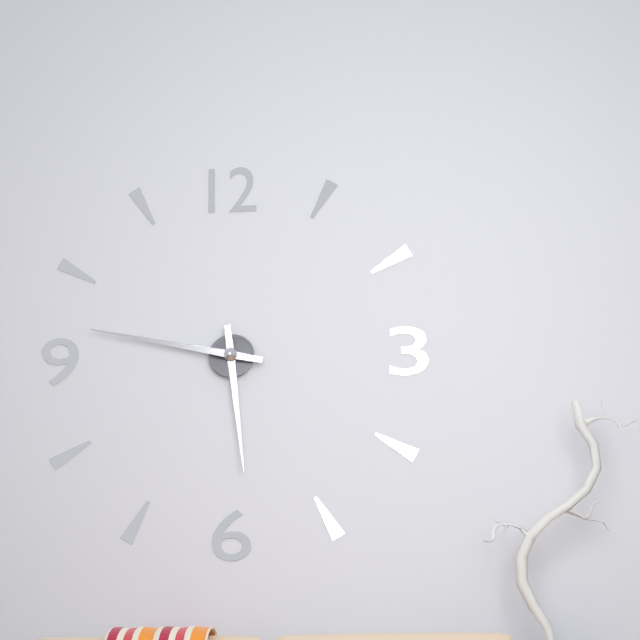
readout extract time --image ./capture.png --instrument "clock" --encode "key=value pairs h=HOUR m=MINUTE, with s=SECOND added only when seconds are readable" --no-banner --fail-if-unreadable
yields h=5 m=47
